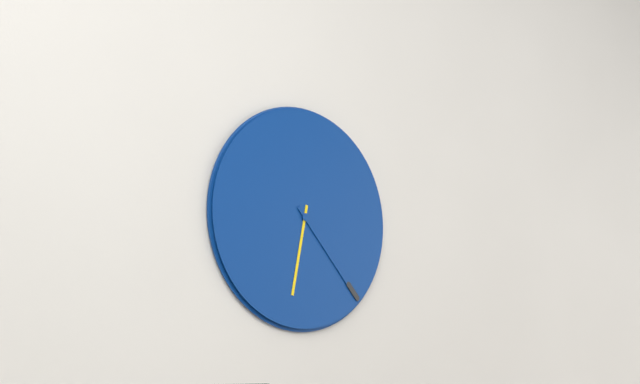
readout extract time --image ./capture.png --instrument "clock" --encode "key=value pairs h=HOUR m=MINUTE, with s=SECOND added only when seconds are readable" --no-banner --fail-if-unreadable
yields h=6 m=23
